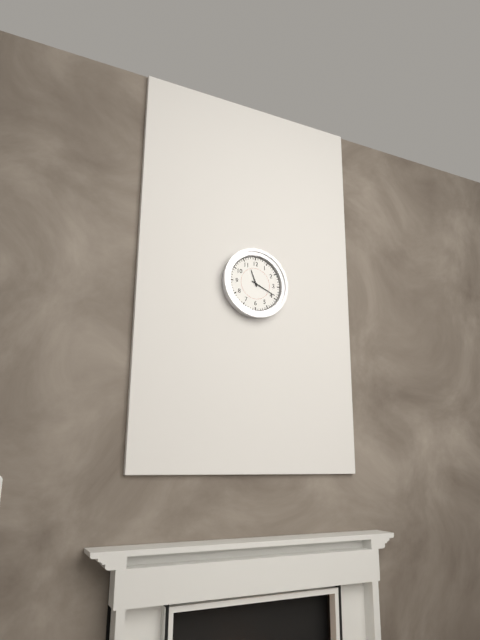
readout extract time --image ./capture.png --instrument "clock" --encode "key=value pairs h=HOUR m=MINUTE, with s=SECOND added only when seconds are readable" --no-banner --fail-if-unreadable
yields h=11 m=19
